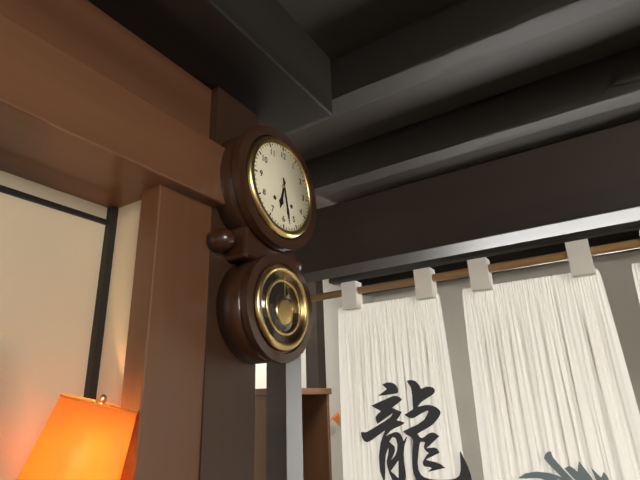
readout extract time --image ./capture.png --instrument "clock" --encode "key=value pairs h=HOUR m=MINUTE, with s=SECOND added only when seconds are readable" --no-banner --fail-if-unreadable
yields h=6 m=28
